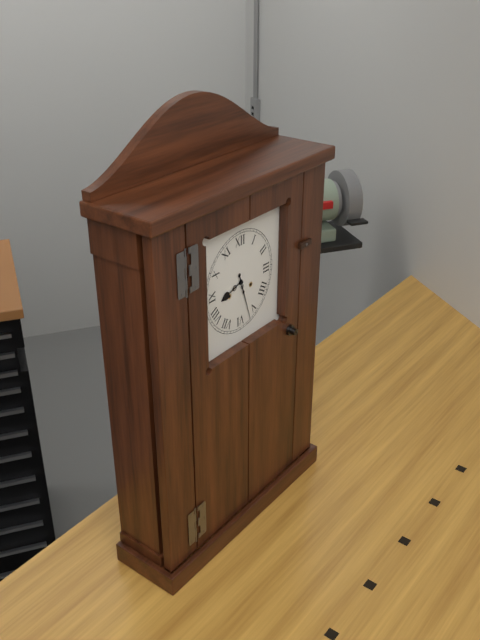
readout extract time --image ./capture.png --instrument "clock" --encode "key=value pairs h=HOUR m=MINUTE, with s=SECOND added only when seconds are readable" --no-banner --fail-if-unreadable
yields h=8 m=27
